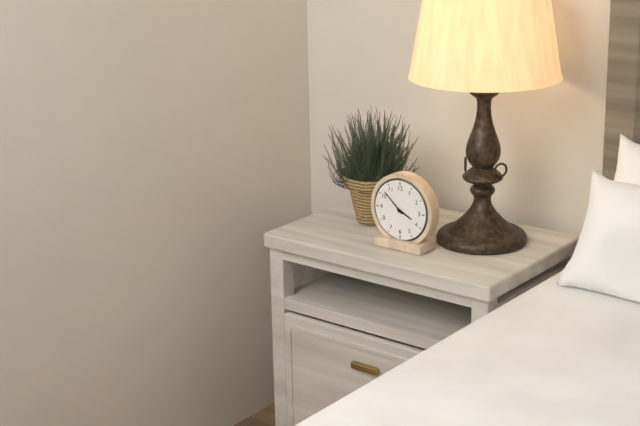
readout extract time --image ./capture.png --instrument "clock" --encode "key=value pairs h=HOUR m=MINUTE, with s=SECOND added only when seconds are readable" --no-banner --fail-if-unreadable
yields h=3 m=52
